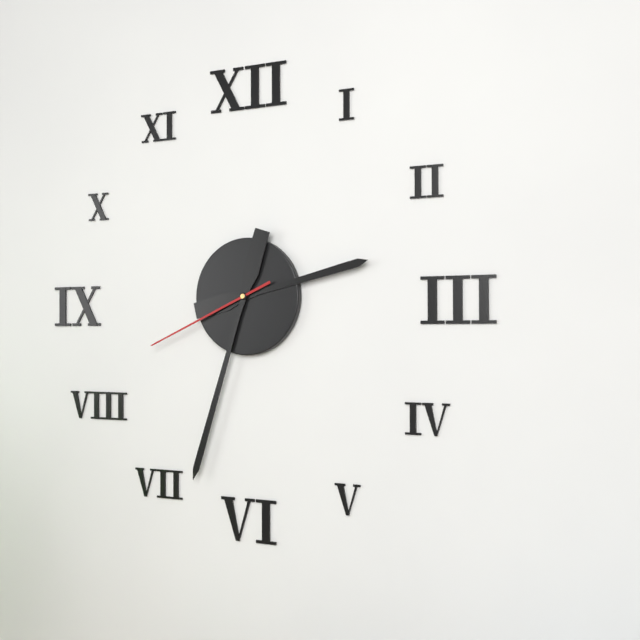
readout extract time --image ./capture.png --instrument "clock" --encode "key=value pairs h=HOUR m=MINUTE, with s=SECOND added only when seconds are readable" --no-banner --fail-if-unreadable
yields h=2 m=33 s=41
